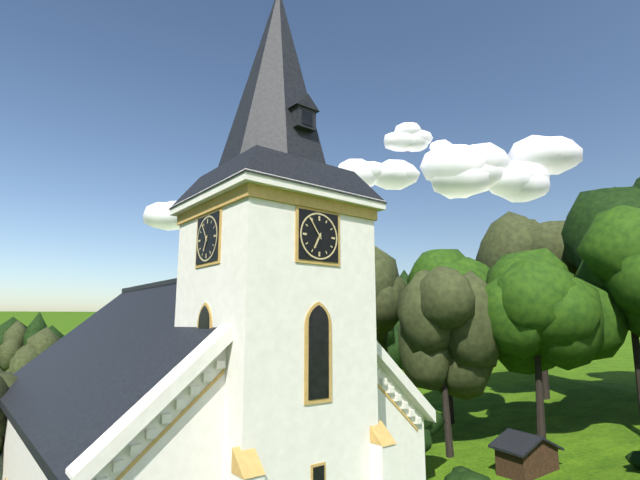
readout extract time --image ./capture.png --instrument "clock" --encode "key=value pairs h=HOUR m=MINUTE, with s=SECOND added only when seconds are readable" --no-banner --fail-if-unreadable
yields h=6 m=54
